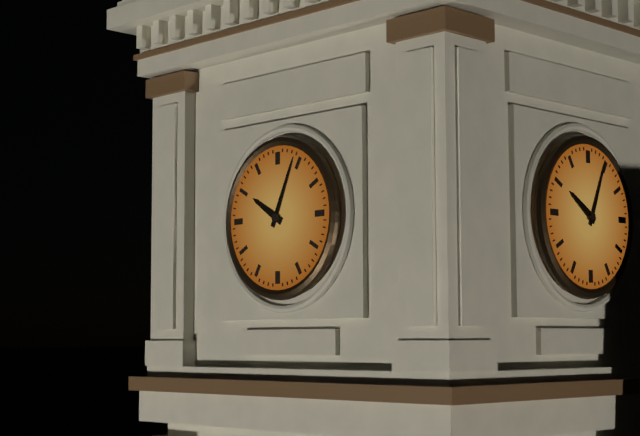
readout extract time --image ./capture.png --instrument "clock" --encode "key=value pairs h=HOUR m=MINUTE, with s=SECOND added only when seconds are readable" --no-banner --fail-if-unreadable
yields h=10 m=4
